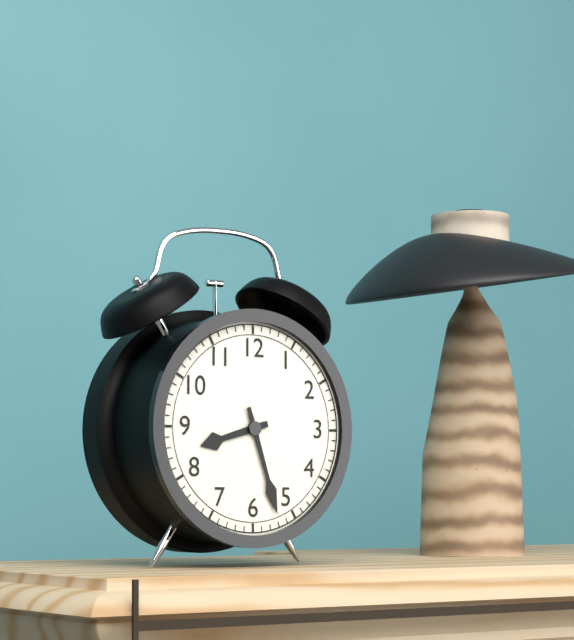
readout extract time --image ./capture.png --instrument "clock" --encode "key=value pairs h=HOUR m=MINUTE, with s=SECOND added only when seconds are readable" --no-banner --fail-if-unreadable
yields h=8 m=27
